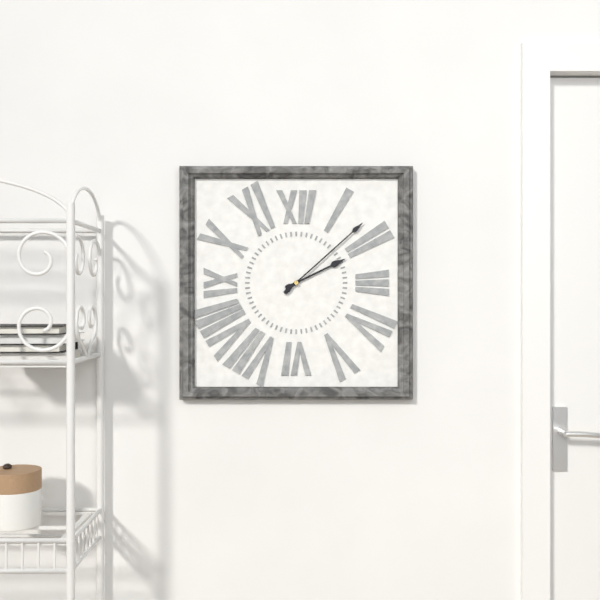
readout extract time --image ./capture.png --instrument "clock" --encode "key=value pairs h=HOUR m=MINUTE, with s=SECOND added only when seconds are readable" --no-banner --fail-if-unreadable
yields h=2 m=8
